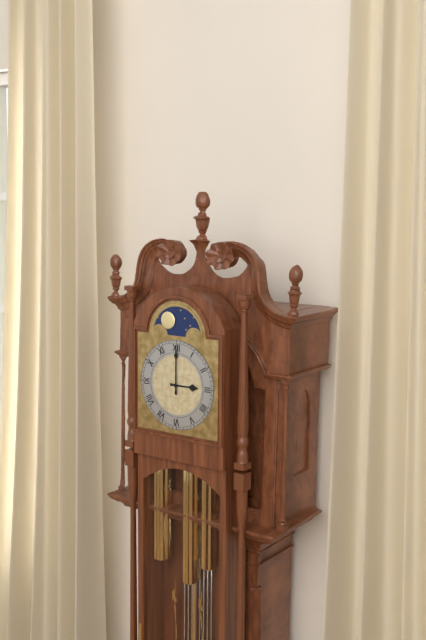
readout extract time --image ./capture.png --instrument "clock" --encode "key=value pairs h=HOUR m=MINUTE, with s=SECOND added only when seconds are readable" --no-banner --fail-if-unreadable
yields h=3 m=0
